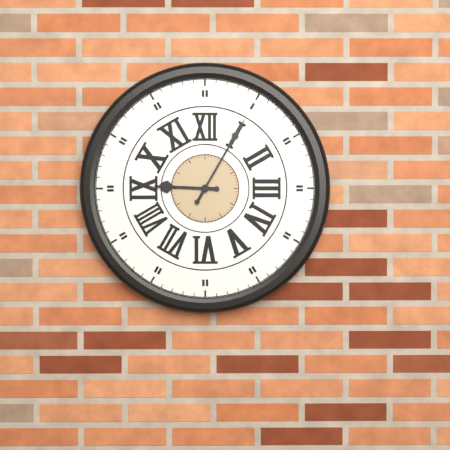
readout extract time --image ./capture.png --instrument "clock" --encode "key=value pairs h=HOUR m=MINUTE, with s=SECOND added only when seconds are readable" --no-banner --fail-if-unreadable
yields h=9 m=5
